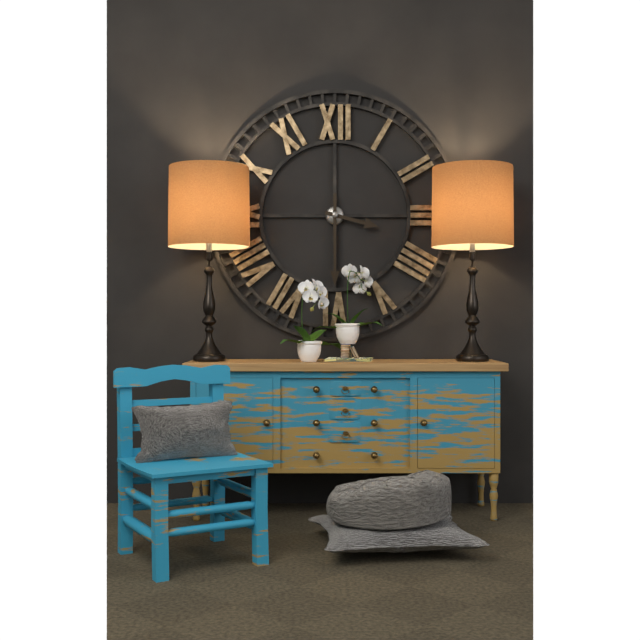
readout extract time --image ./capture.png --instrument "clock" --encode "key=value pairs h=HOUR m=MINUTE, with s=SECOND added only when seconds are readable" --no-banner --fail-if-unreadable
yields h=3 m=30
